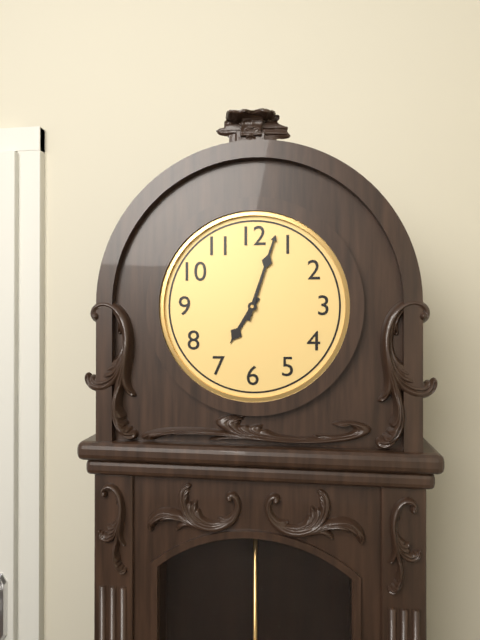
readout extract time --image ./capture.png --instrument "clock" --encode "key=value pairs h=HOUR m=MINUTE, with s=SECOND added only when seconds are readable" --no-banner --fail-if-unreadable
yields h=7 m=3
